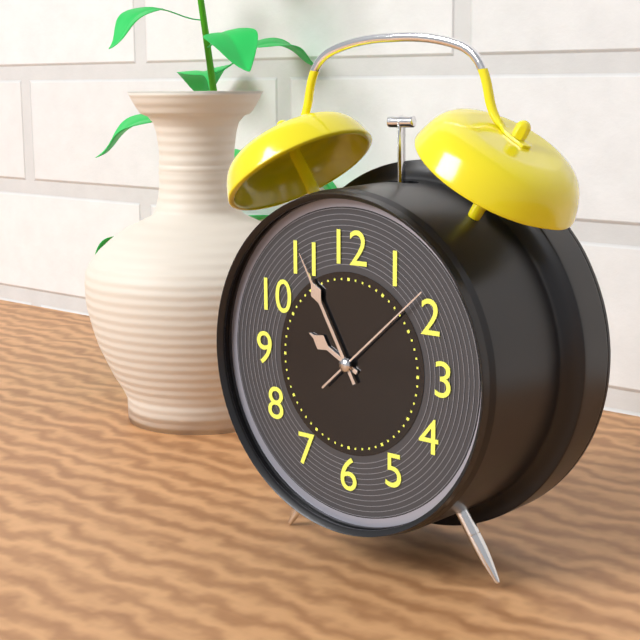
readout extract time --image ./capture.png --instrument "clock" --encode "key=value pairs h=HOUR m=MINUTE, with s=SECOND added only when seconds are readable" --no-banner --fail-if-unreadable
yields h=9 m=55 s=8
